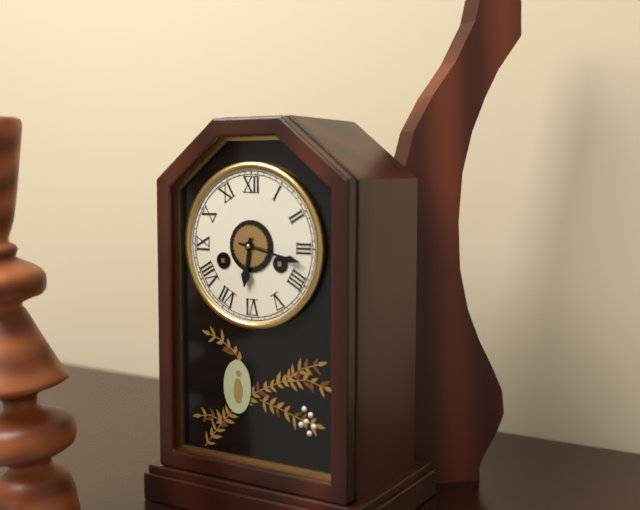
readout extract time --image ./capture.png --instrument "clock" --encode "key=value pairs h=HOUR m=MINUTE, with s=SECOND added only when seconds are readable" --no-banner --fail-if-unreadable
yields h=6 m=17
